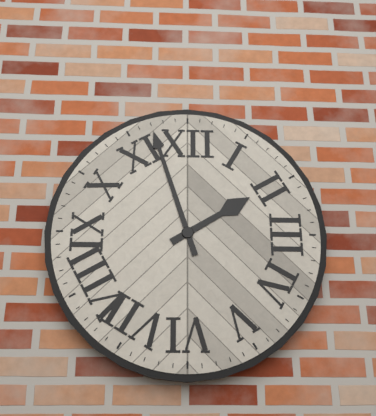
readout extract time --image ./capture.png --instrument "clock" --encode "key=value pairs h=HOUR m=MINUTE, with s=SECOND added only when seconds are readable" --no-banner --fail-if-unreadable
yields h=1 m=57
